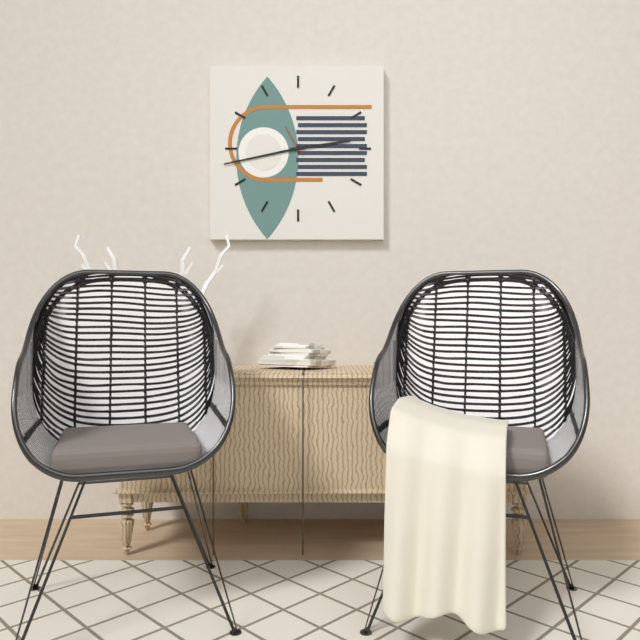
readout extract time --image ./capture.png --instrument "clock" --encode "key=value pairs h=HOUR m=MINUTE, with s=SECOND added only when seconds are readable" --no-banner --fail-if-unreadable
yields h=2 m=43
